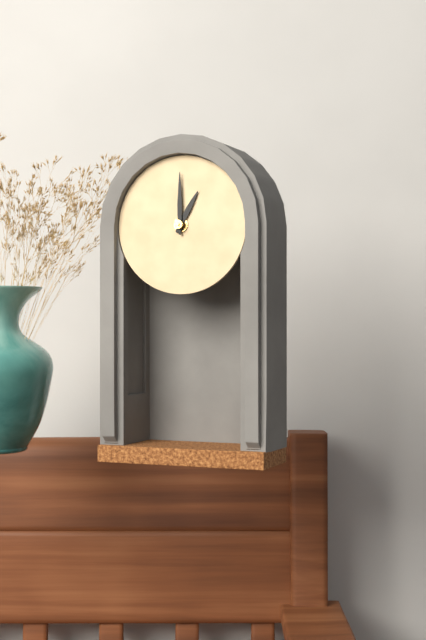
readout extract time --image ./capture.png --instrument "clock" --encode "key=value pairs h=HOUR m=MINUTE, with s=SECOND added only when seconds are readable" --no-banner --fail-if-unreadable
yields h=1 m=0
